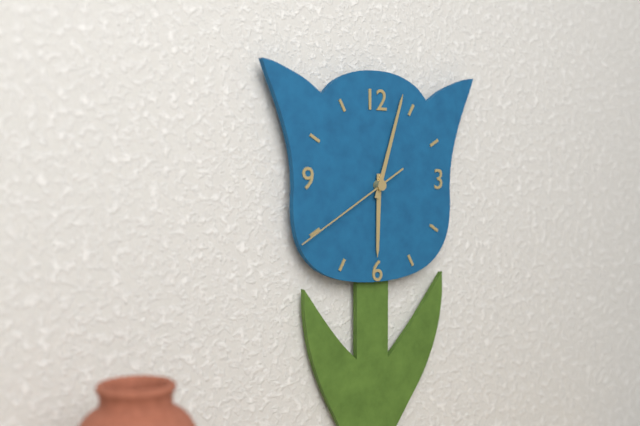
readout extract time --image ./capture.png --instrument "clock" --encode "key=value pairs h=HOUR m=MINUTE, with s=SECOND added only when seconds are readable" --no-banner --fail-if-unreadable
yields h=6 m=3 s=40
